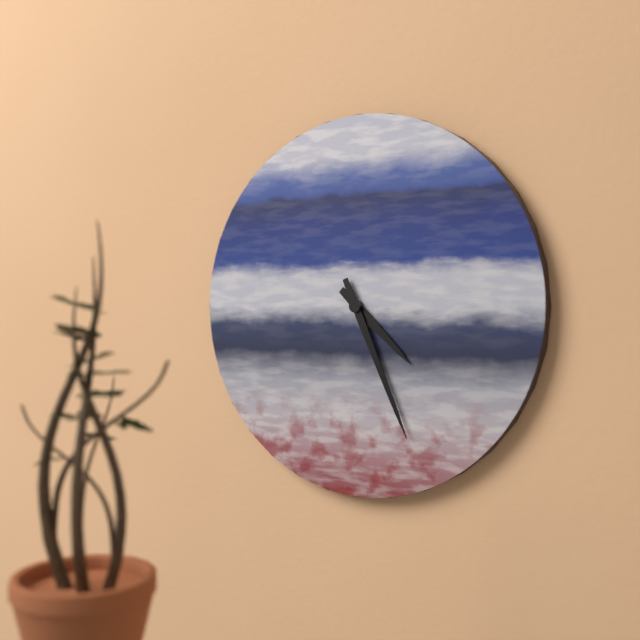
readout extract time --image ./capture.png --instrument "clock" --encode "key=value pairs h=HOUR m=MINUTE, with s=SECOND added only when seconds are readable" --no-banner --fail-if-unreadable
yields h=4 m=26
